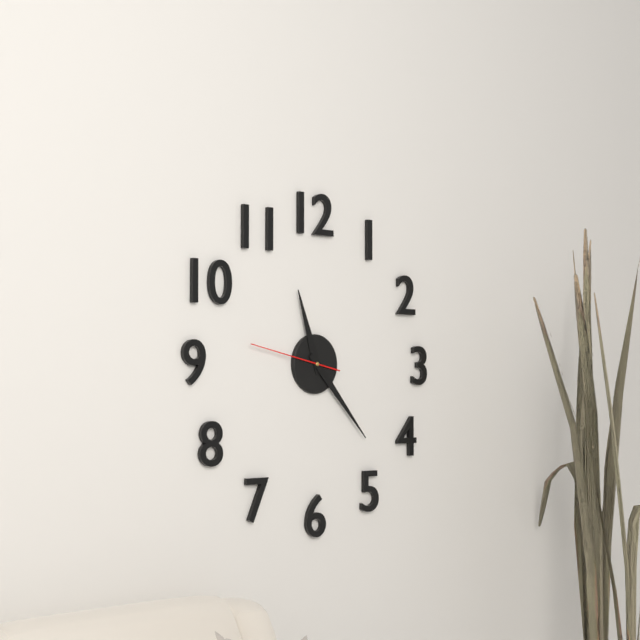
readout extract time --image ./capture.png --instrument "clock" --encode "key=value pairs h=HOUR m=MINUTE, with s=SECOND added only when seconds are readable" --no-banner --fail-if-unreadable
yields h=11 m=23 s=47
